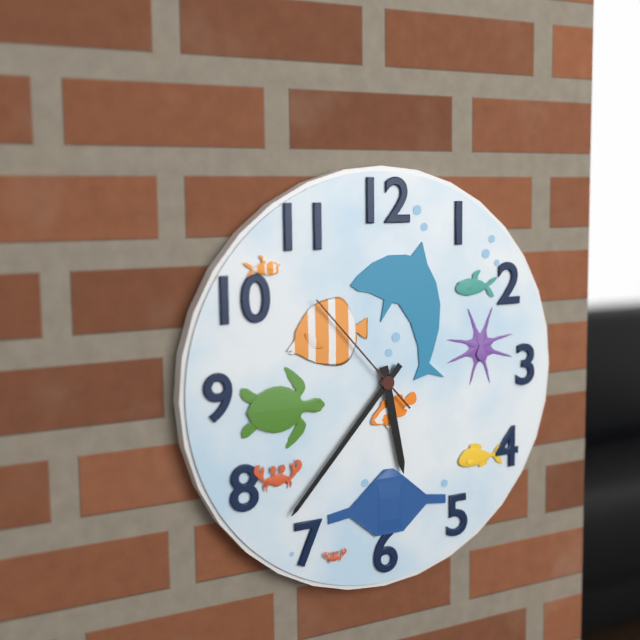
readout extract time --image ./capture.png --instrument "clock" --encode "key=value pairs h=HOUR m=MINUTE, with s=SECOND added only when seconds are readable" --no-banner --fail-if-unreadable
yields h=5 m=37 s=53
